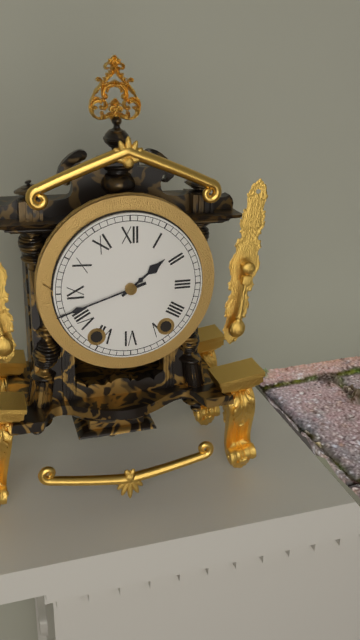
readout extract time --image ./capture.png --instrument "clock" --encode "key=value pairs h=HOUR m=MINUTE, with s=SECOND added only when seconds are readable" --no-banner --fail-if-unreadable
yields h=1 m=42
